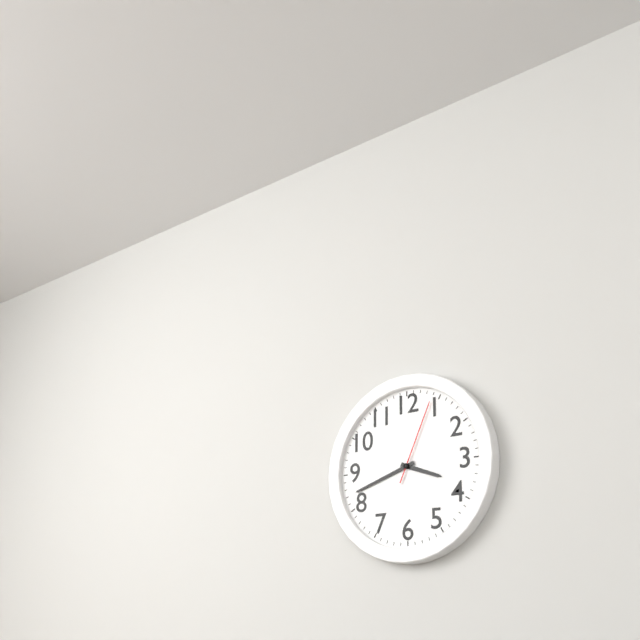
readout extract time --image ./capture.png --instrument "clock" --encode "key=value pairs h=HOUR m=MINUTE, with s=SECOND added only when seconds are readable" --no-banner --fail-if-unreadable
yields h=3 m=42 s=4
